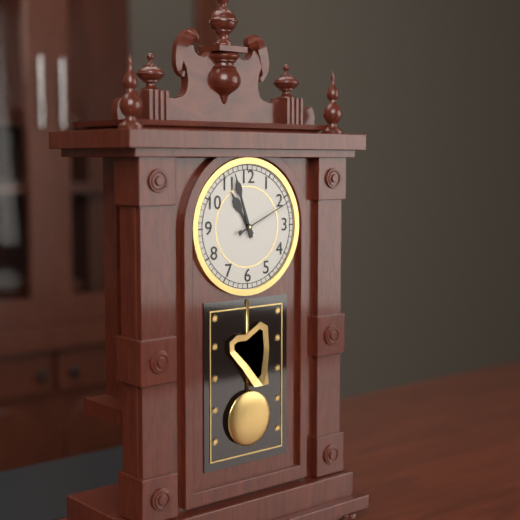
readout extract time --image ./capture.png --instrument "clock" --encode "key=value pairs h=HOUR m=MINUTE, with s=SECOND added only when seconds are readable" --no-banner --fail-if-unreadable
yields h=10 m=57 s=11
